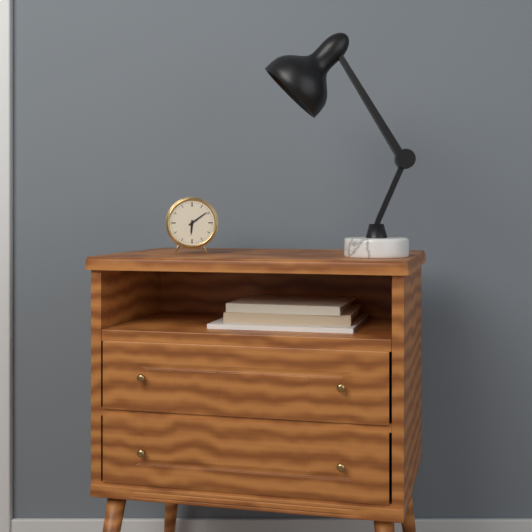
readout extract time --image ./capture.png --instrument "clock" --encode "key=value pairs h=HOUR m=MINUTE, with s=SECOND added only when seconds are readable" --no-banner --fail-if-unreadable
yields h=6 m=9
